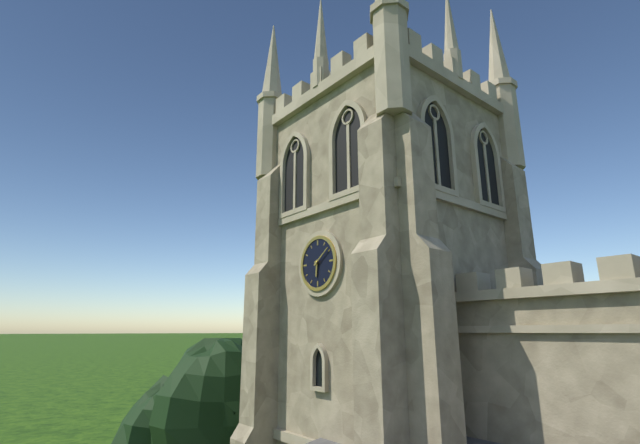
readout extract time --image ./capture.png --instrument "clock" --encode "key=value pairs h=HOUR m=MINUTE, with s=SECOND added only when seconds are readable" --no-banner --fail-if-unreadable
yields h=6 m=9
